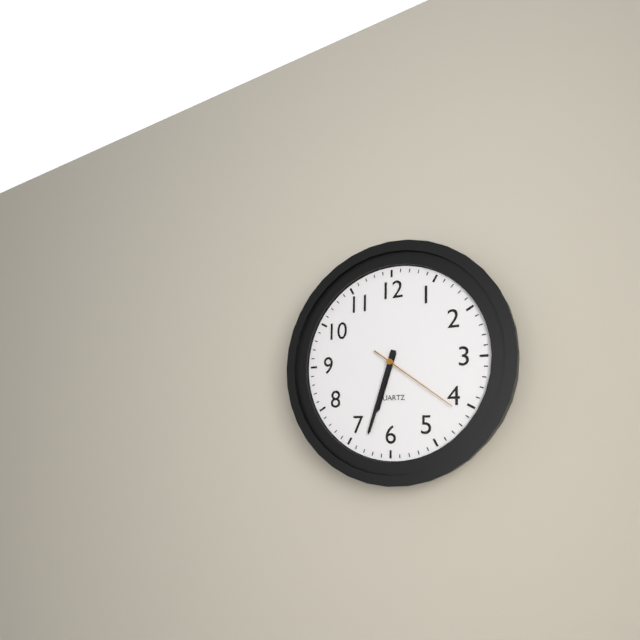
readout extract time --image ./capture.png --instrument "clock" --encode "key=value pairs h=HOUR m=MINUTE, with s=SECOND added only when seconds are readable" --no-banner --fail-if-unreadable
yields h=6 m=33 s=21
